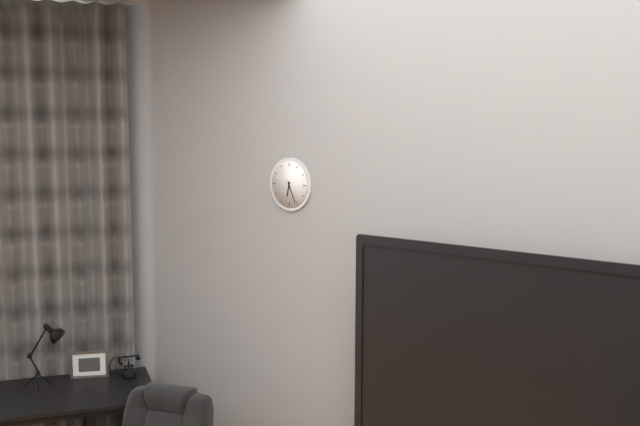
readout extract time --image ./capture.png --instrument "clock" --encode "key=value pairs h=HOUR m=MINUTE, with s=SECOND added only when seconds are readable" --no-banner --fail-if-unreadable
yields h=6 m=26
